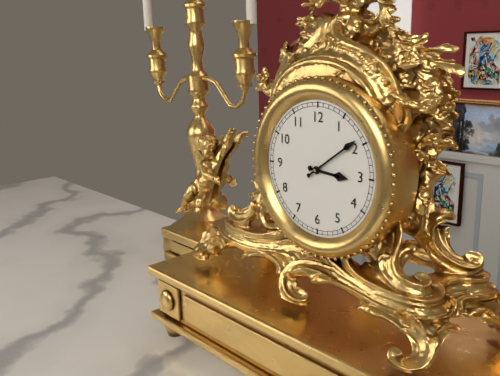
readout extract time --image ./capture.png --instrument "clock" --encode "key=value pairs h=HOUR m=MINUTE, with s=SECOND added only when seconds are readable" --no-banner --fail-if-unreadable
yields h=3 m=9
